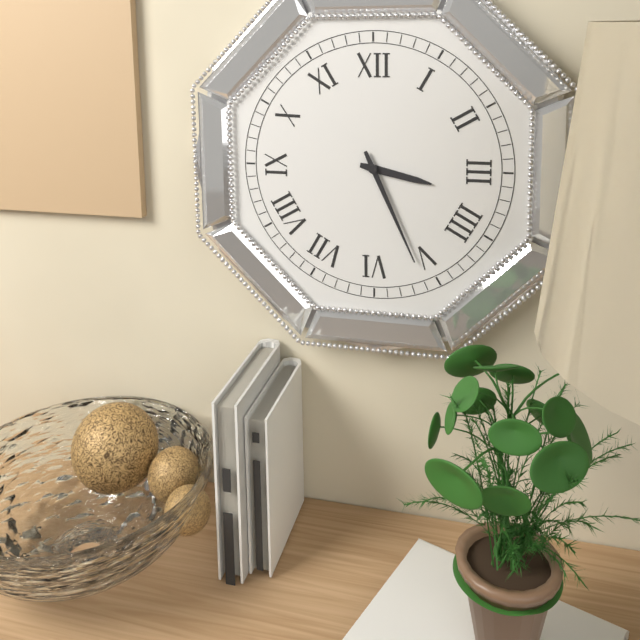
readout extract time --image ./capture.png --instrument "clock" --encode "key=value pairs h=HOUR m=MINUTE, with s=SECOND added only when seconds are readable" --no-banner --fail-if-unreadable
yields h=3 m=26
